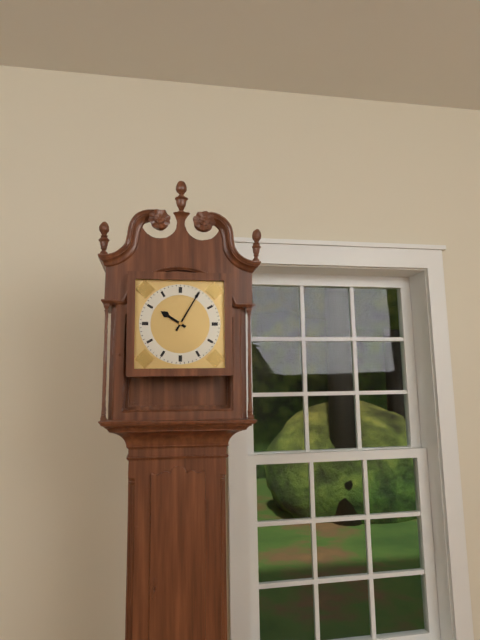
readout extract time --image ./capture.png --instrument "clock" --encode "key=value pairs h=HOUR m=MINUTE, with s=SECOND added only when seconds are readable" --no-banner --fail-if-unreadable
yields h=10 m=5
